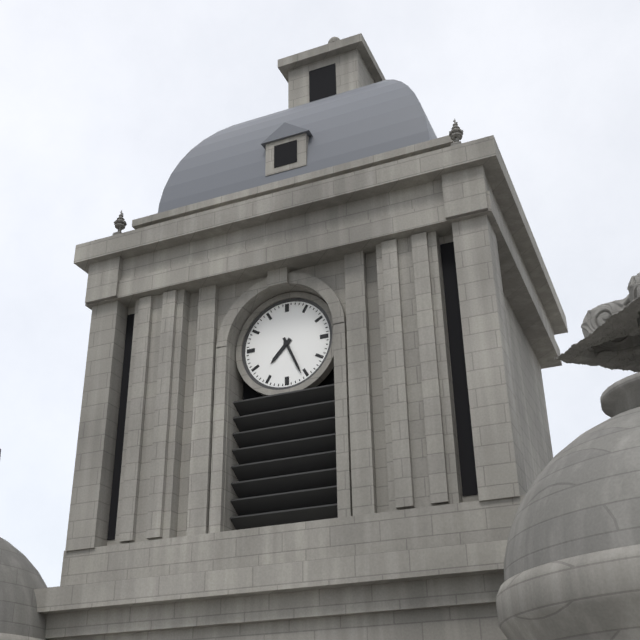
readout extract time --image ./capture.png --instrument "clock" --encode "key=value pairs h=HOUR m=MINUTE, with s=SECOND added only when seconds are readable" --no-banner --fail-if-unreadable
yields h=7 m=26
